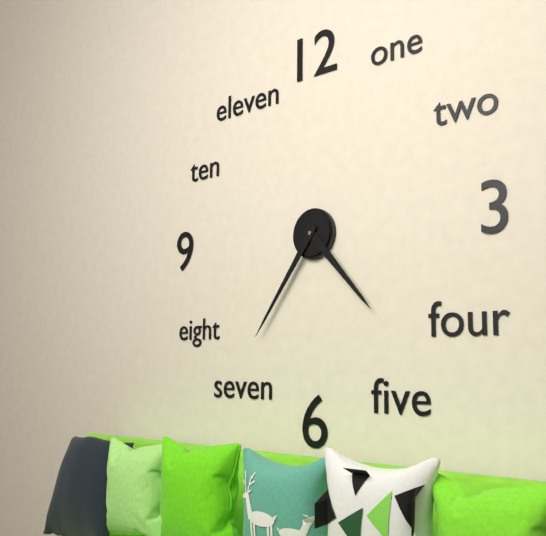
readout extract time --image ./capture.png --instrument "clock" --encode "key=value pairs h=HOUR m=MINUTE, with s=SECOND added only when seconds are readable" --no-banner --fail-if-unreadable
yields h=4 m=36
